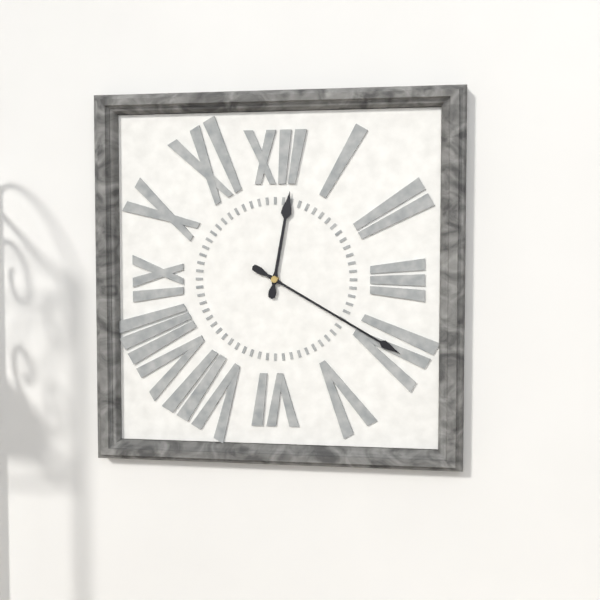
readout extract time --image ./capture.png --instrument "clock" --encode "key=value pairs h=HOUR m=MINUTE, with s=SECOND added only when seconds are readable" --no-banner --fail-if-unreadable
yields h=12 m=20
